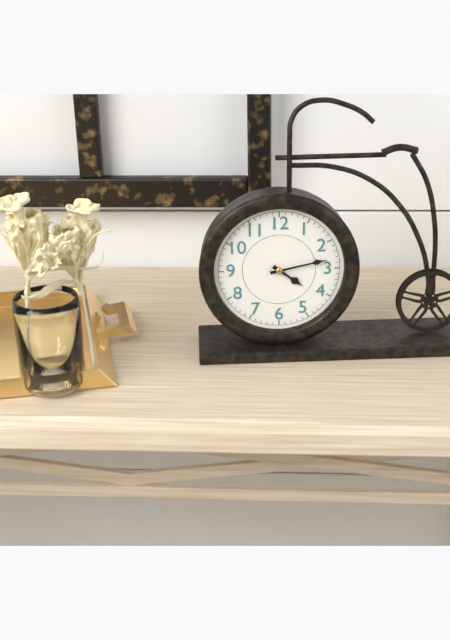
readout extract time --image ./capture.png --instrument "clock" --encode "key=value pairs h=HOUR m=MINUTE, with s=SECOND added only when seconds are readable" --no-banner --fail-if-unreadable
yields h=4 m=13
